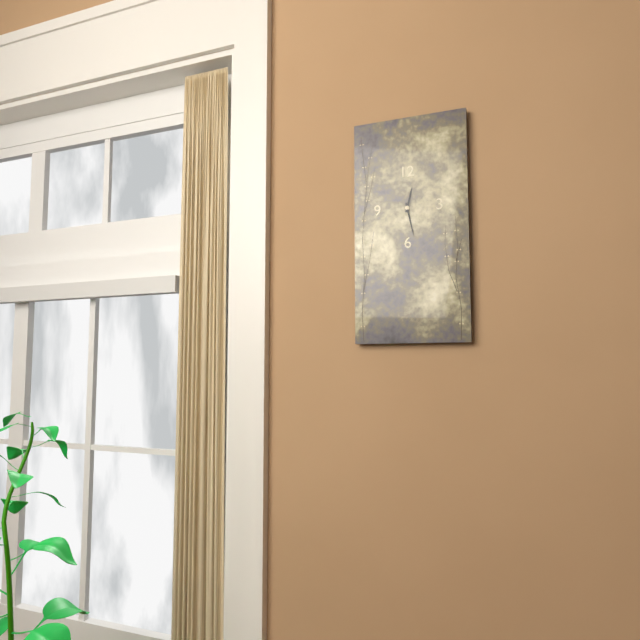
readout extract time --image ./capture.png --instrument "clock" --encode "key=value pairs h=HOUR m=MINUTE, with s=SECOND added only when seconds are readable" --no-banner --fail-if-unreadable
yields h=12 m=28
